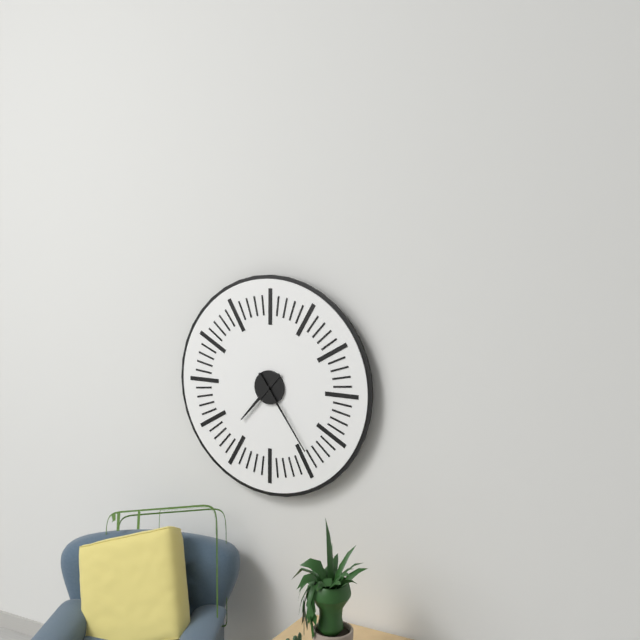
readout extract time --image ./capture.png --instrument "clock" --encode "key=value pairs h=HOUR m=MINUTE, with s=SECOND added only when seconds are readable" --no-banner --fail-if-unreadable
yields h=7 m=24
